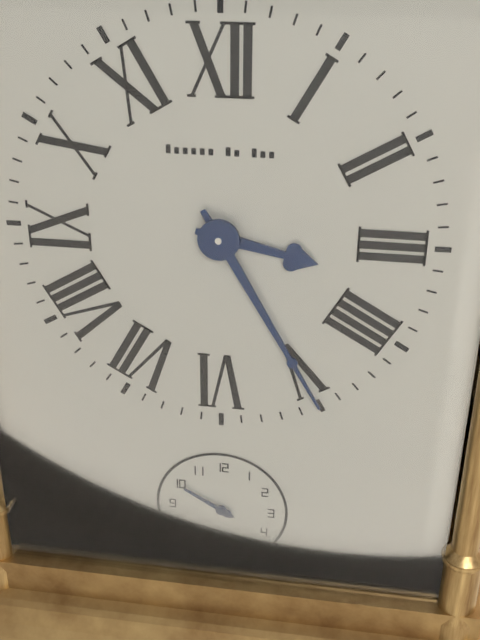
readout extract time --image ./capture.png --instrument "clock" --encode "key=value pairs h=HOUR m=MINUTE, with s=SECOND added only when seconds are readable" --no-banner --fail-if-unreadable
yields h=3 m=25
